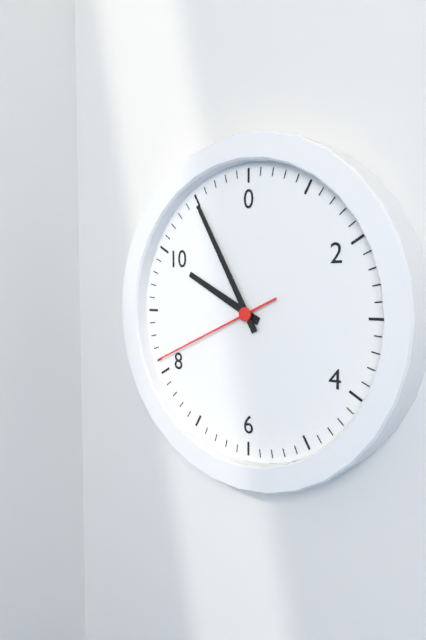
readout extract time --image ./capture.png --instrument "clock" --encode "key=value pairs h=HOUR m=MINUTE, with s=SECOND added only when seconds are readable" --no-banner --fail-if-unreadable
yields h=9 m=55 s=41
